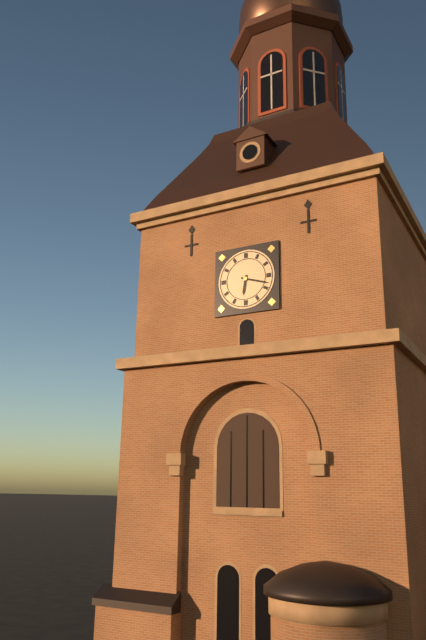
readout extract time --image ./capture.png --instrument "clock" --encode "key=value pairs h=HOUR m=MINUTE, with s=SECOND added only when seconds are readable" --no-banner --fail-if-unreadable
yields h=6 m=18
